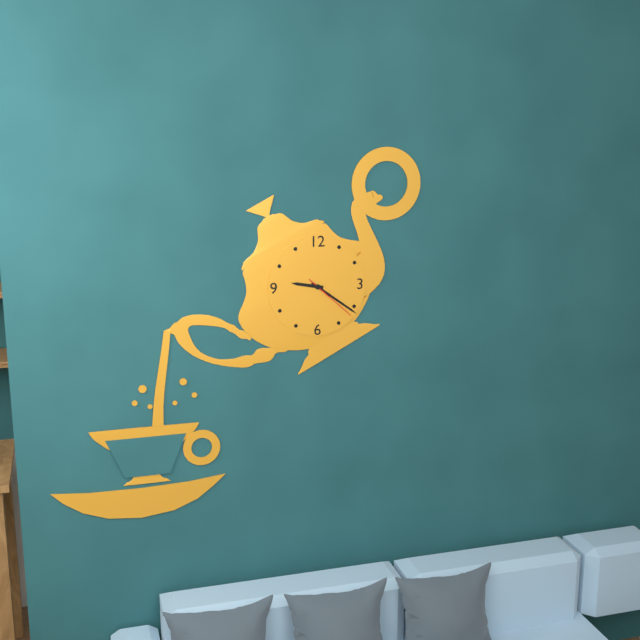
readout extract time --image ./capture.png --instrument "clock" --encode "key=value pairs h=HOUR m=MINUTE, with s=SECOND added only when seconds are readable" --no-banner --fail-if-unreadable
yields h=9 m=21 s=22
